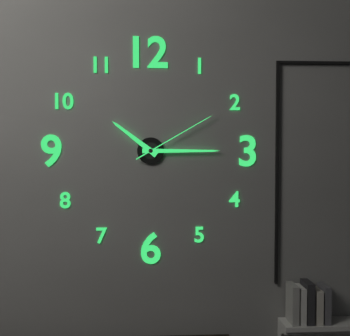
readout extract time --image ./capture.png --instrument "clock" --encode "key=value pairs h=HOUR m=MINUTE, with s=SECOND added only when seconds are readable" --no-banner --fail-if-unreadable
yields h=10 m=15 s=10
